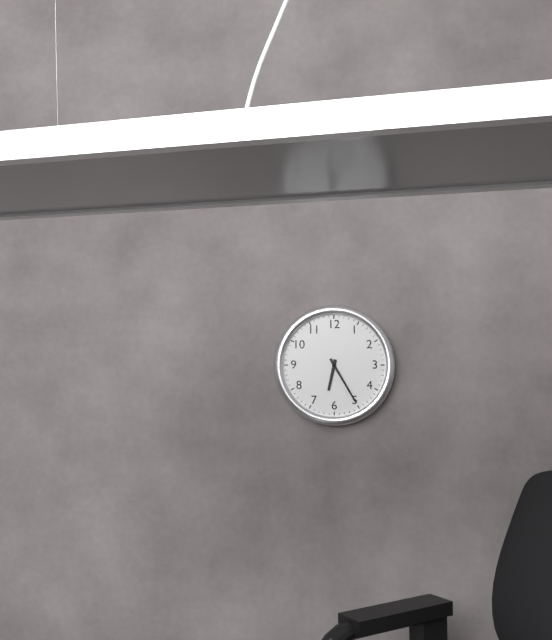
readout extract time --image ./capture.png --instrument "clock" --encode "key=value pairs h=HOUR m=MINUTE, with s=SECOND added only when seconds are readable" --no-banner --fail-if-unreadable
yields h=6 m=25
